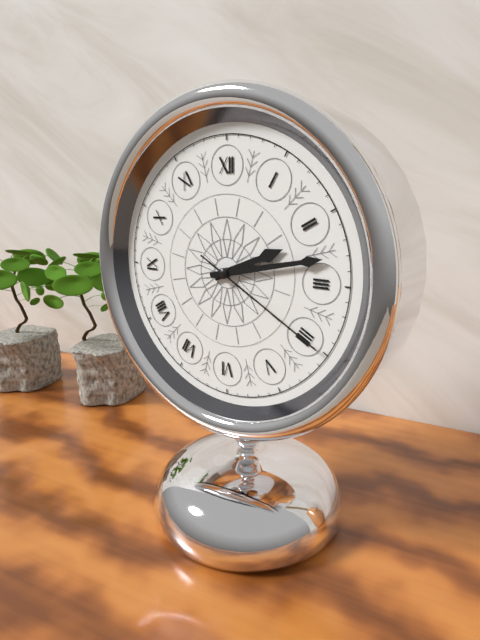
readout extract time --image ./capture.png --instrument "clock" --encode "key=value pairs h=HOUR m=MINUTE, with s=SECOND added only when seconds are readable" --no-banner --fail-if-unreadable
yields h=2 m=13 s=20
